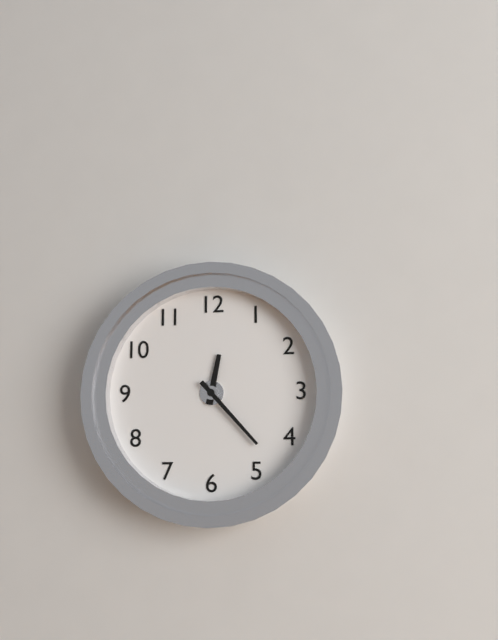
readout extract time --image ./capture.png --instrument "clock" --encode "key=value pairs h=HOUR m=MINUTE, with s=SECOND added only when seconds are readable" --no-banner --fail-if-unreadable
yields h=12 m=23
